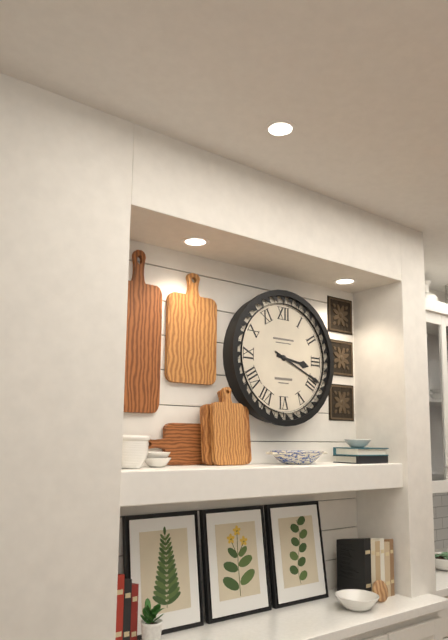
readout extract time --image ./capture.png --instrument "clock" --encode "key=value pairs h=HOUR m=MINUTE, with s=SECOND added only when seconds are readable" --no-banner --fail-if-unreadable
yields h=3 m=19
